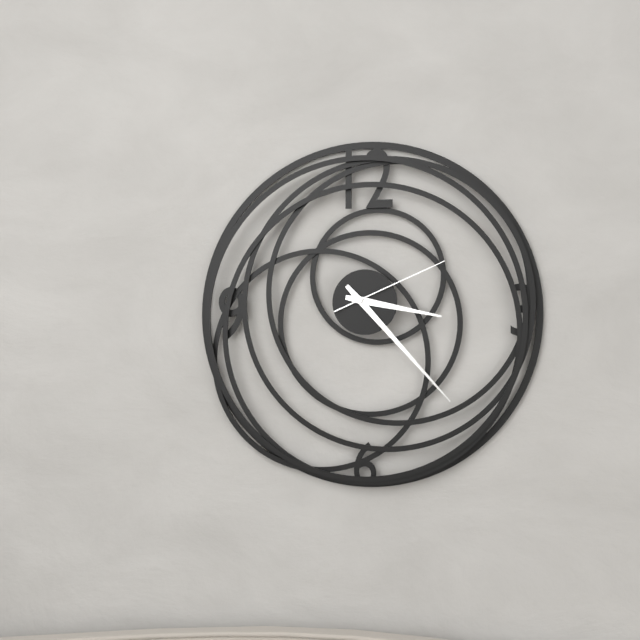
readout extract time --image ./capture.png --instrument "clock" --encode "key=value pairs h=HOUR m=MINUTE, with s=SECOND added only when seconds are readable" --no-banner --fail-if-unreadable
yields h=3 m=23 s=11
